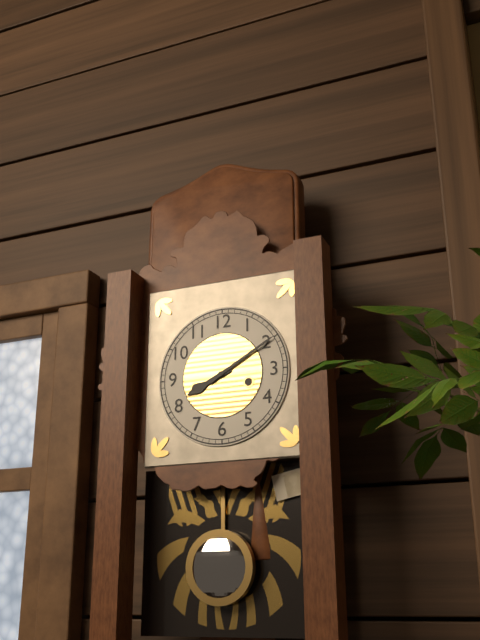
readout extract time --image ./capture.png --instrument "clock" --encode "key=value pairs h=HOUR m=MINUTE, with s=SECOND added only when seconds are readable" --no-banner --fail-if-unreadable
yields h=8 m=10
